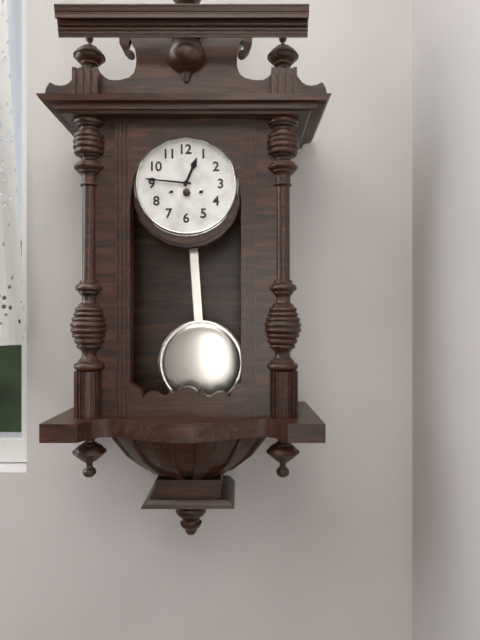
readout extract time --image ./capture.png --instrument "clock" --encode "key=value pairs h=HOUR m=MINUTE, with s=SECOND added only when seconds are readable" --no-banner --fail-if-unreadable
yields h=12 m=46
